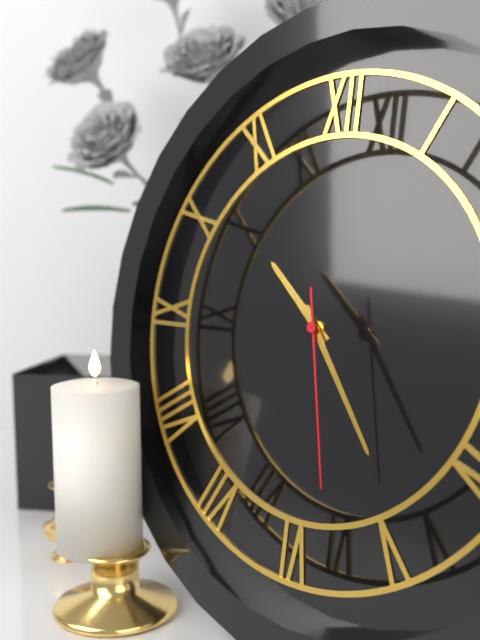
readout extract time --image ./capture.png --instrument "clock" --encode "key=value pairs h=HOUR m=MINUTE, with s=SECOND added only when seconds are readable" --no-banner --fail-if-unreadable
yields h=10 m=24 s=28
